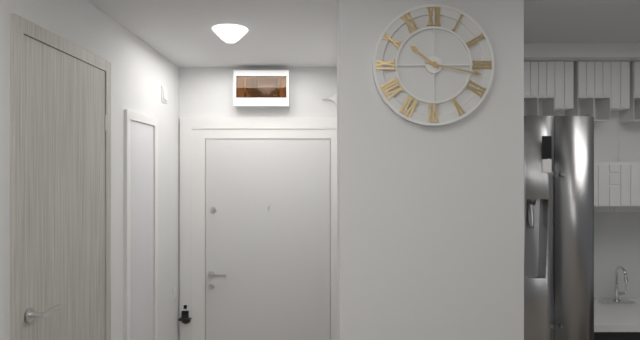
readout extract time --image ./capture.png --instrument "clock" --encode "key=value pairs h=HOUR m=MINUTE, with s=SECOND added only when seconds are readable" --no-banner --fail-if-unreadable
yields h=10 m=17
